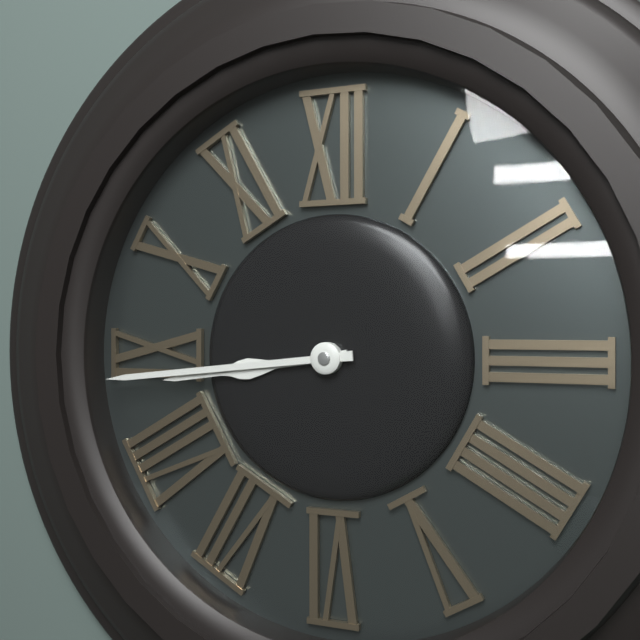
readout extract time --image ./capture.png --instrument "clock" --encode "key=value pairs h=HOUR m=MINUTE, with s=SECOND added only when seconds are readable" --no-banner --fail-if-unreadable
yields h=8 m=44
